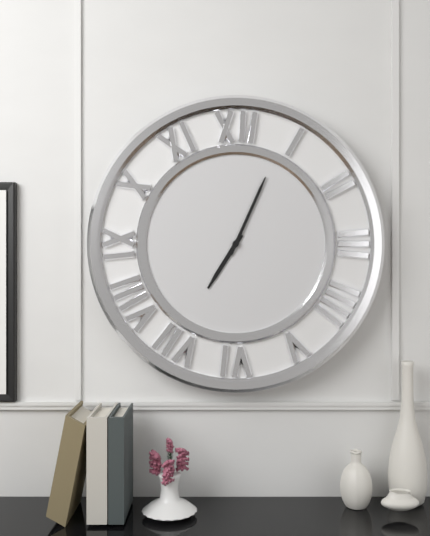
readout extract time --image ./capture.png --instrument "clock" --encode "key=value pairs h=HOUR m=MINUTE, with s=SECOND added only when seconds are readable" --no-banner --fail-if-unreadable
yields h=7 m=4
